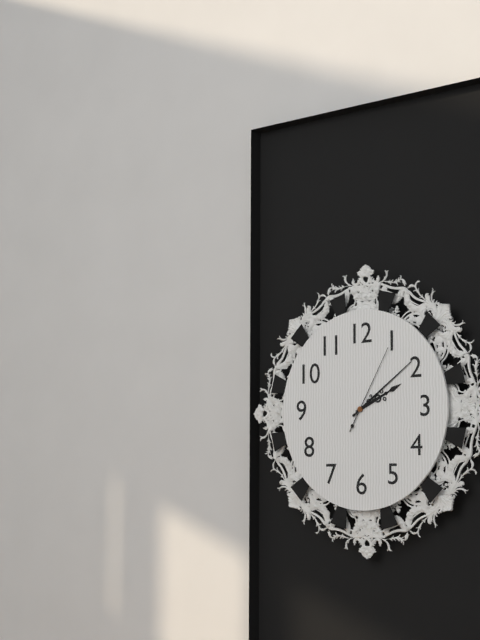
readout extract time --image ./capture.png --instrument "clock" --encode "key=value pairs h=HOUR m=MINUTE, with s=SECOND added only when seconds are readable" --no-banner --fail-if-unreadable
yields h=2 m=9 s=5
